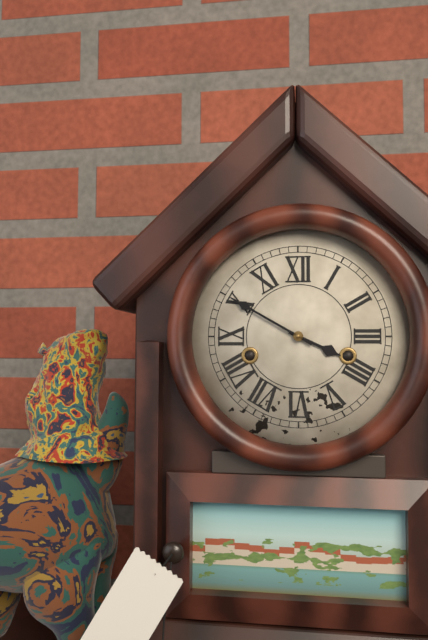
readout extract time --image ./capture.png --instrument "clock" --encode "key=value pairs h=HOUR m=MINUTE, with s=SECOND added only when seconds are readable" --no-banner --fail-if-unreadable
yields h=3 m=50
